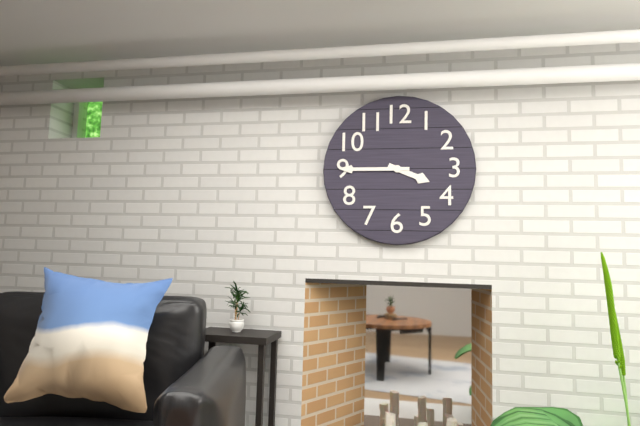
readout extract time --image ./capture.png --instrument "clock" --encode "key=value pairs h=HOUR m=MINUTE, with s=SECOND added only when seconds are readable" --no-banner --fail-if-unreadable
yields h=3 m=45
